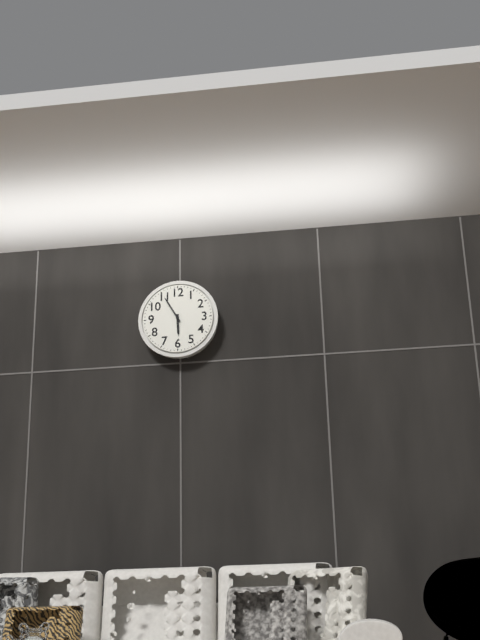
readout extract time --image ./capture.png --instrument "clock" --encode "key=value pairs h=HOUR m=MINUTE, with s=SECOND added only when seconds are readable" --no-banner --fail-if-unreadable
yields h=5 m=55
